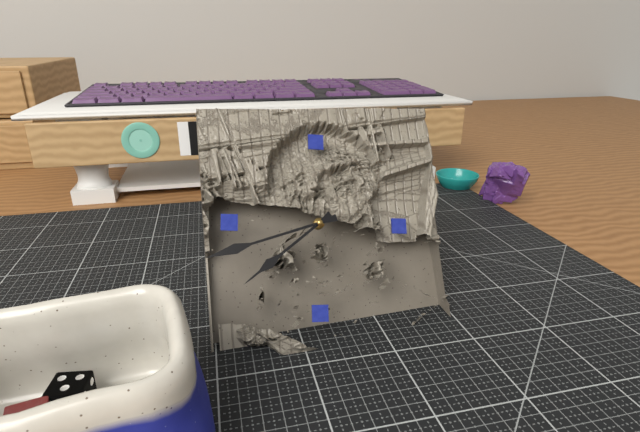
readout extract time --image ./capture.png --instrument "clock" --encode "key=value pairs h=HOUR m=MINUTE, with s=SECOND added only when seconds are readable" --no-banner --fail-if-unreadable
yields h=7 m=42
